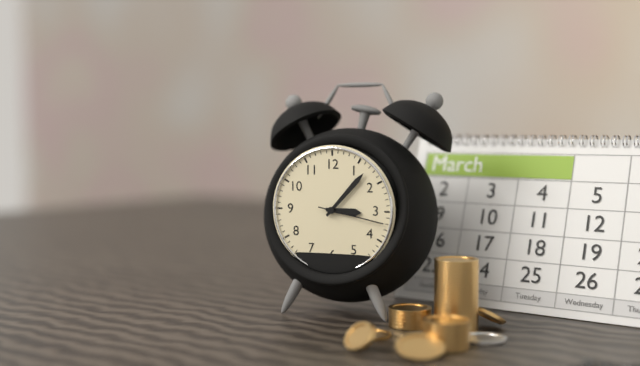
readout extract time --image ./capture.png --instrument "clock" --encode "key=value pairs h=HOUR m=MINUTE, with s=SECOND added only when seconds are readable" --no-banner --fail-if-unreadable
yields h=3 m=7 s=17
